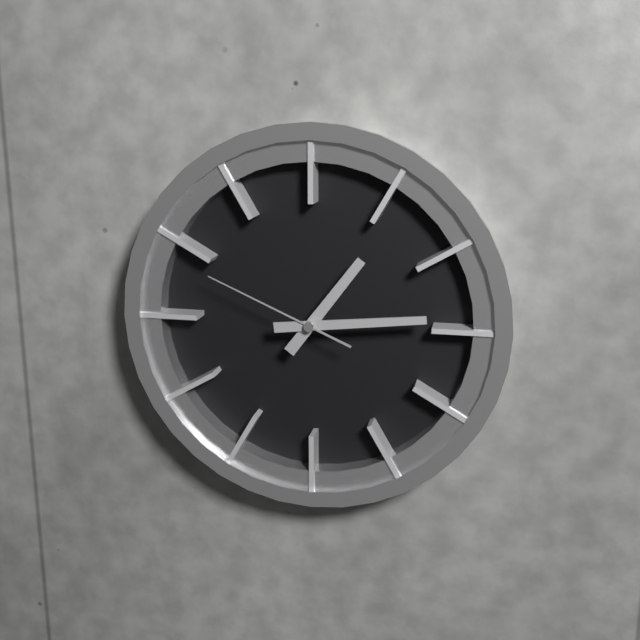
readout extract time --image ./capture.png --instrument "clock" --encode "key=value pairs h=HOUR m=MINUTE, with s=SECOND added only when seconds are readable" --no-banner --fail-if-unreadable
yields h=1 m=14 s=49
